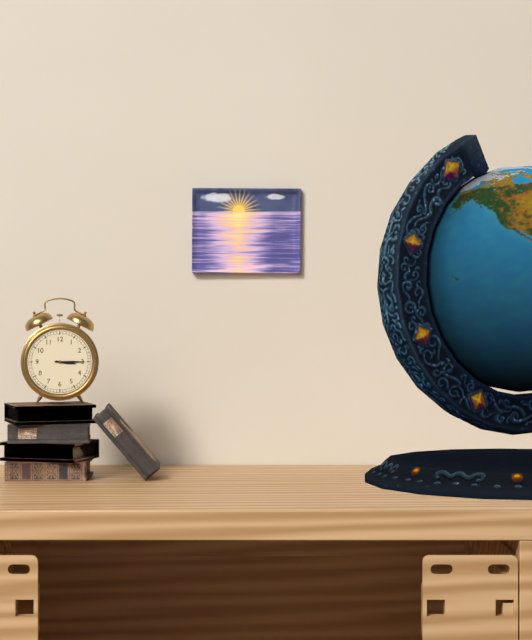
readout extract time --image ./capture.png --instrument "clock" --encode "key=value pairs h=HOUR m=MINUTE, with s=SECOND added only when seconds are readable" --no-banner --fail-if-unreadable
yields h=3 m=15
